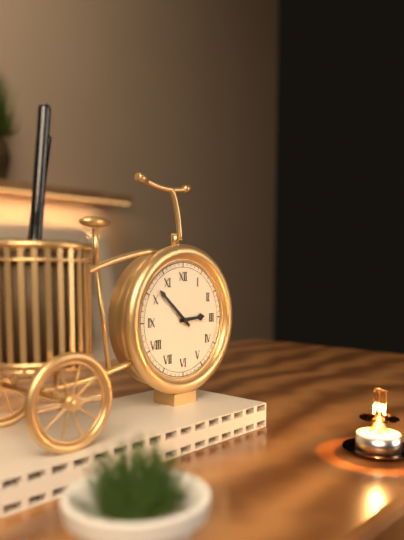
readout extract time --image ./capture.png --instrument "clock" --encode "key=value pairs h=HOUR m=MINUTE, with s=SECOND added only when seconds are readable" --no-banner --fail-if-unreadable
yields h=2 m=52
